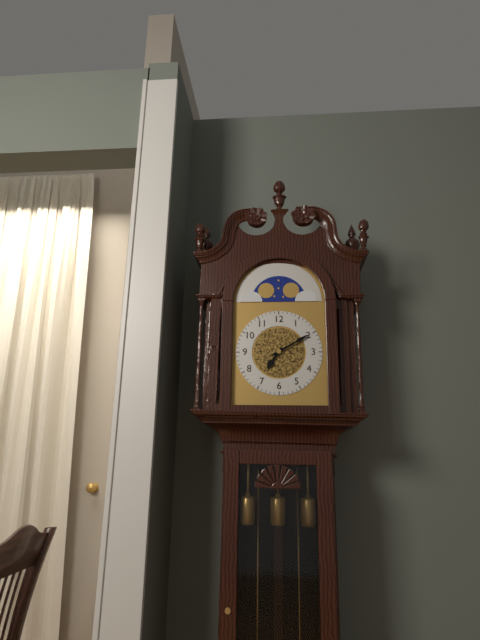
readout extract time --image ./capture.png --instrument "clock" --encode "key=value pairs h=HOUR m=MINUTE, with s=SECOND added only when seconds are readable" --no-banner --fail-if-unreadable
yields h=7 m=10
